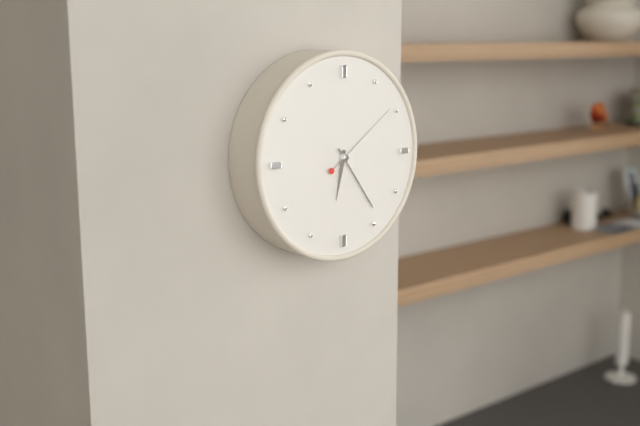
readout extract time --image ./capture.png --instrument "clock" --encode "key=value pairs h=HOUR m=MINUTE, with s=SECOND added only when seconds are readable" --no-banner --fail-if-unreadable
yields h=6 m=24 s=9
